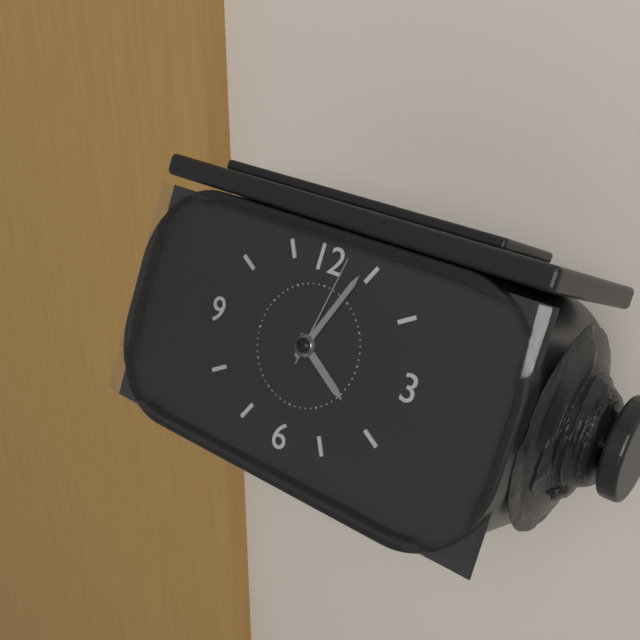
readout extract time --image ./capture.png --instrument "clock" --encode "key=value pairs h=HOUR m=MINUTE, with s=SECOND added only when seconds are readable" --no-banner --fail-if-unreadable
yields h=4 m=4 s=2
